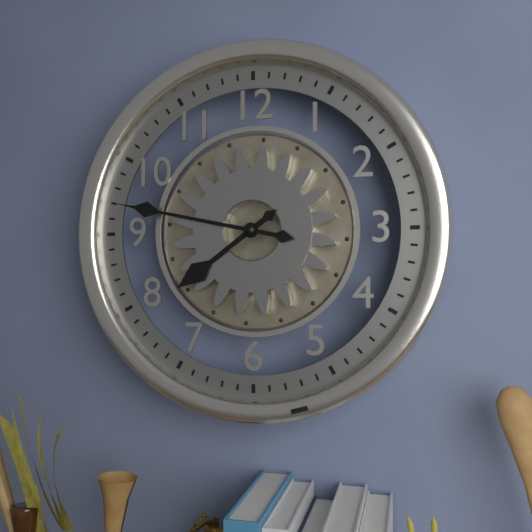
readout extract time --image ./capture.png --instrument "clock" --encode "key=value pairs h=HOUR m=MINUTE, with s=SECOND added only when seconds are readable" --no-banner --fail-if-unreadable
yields h=7 m=47
